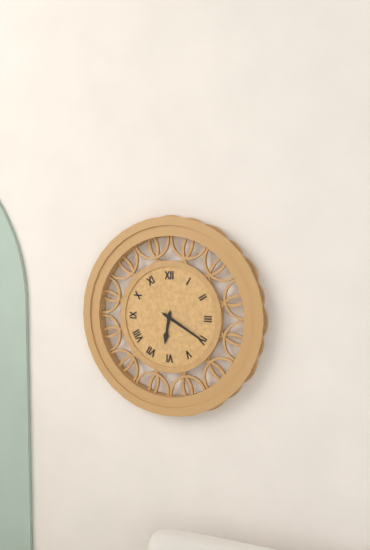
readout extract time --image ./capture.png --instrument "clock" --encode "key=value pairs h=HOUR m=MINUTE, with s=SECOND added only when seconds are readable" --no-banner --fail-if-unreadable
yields h=6 m=20
